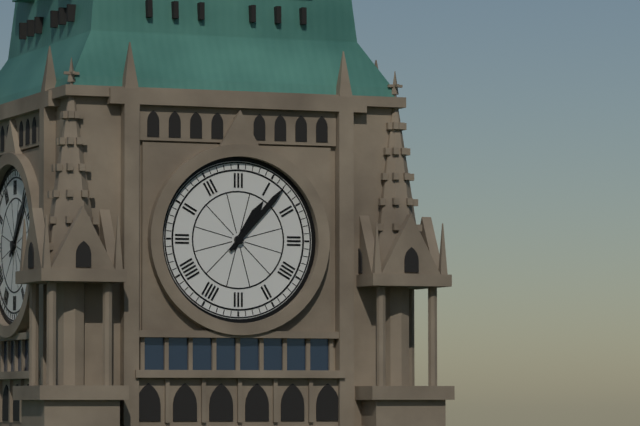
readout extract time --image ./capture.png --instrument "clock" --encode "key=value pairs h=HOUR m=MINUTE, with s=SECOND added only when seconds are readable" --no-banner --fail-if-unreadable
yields h=1 m=7
